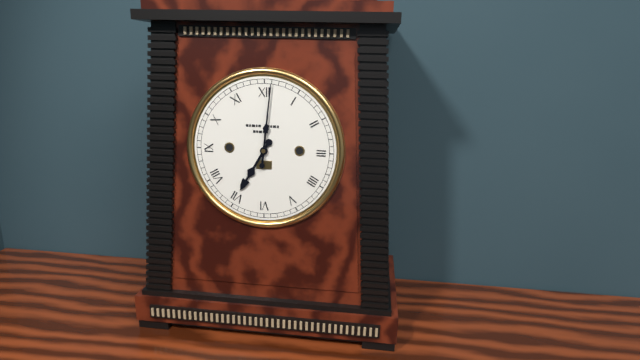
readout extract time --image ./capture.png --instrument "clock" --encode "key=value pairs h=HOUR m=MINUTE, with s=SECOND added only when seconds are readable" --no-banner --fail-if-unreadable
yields h=7 m=1
